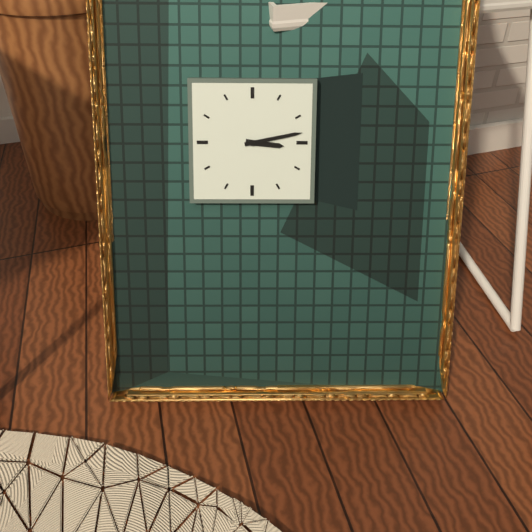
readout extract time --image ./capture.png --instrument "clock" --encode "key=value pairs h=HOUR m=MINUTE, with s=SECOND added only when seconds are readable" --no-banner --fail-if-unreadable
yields h=3 m=13
